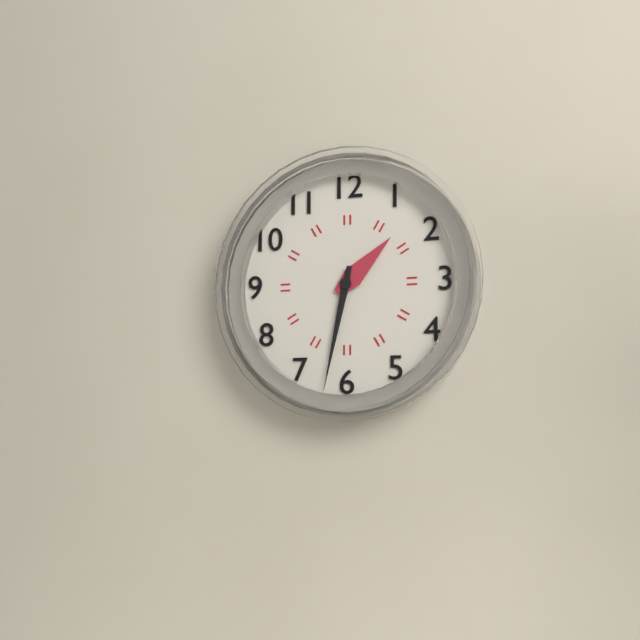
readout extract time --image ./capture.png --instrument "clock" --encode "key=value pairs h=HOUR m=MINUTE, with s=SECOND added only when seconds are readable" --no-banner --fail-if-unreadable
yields h=1 m=32
